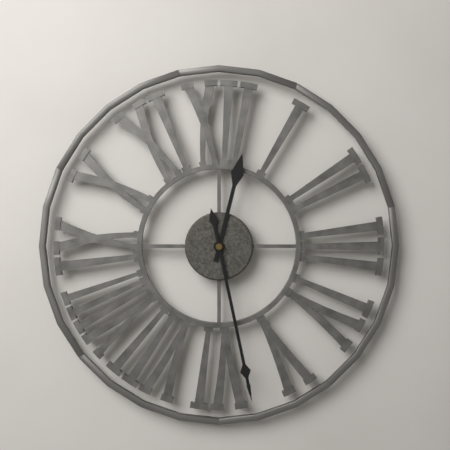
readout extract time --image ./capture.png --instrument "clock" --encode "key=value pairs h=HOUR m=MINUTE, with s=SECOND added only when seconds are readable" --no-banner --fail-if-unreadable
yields h=12 m=28
